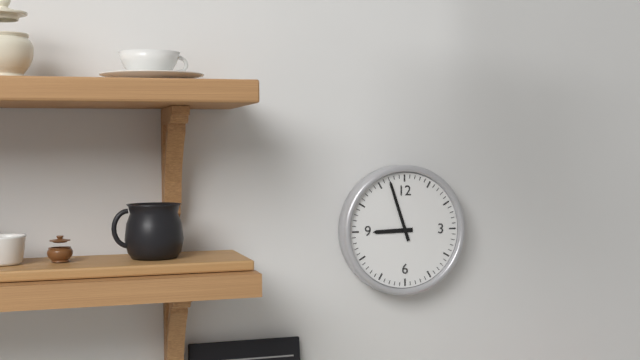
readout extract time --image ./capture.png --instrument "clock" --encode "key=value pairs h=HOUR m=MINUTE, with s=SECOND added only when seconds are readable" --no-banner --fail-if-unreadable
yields h=8 m=57
